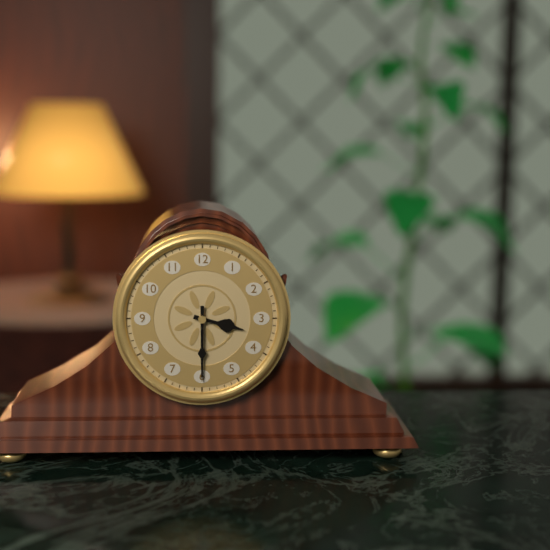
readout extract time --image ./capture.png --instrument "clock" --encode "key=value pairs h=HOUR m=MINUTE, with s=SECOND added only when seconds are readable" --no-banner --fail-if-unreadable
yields h=3 m=30
